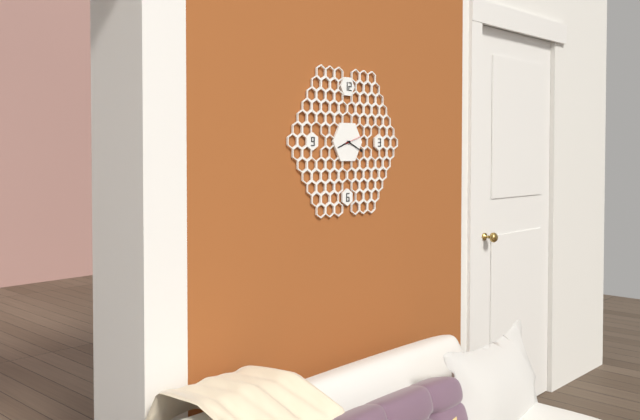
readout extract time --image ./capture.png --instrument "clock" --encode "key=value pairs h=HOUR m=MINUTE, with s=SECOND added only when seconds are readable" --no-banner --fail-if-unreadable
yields h=8 m=19
